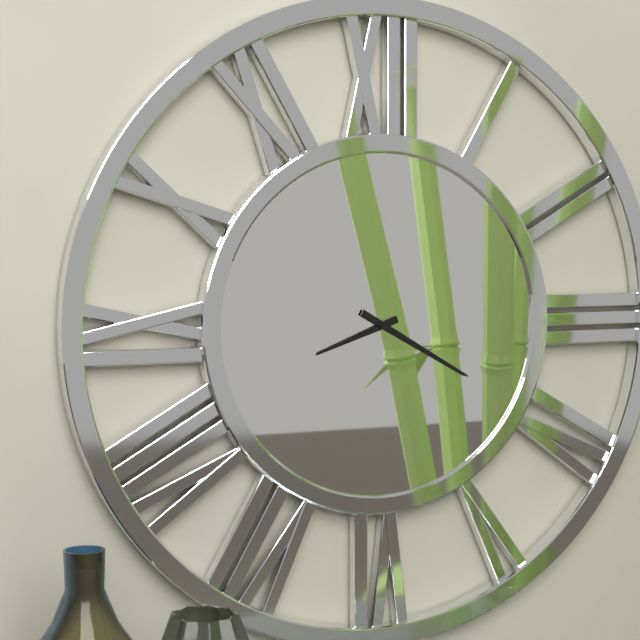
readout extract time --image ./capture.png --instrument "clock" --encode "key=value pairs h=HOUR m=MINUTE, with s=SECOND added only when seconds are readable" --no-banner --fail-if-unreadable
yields h=8 m=20
